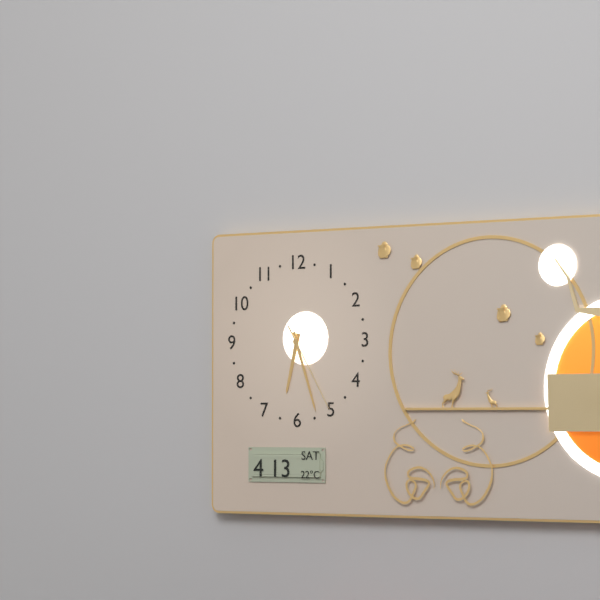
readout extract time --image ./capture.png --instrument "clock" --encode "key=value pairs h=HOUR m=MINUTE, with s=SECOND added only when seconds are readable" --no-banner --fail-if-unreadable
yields h=6 m=27 s=25
